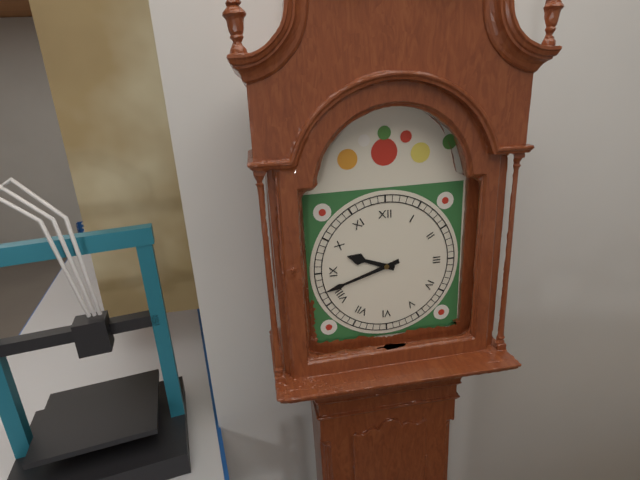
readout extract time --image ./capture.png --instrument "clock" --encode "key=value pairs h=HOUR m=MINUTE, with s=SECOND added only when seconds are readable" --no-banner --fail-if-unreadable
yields h=9 m=42
